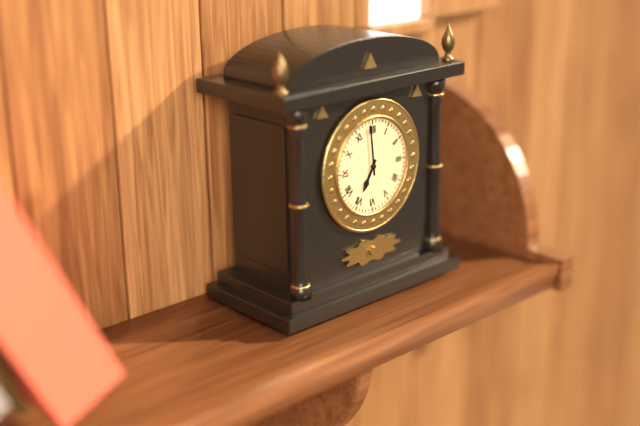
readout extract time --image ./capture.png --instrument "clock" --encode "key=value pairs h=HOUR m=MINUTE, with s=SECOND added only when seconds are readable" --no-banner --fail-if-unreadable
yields h=6 m=59
